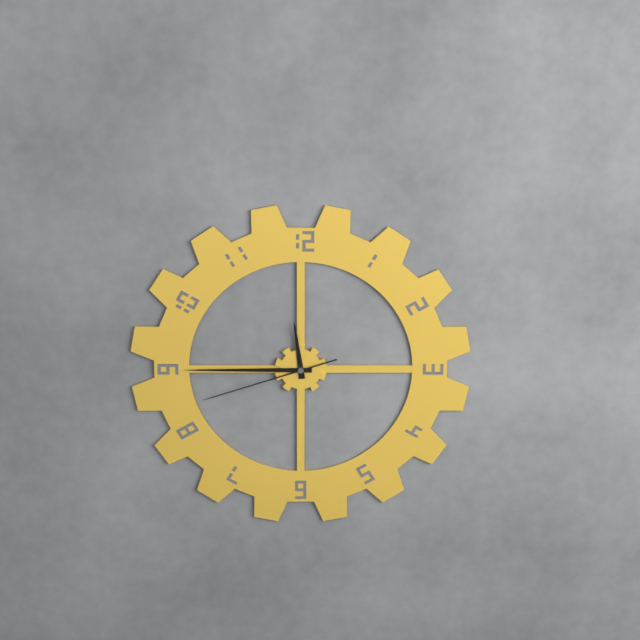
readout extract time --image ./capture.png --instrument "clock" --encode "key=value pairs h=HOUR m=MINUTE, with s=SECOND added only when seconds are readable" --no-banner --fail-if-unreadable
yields h=11 m=45 s=42
